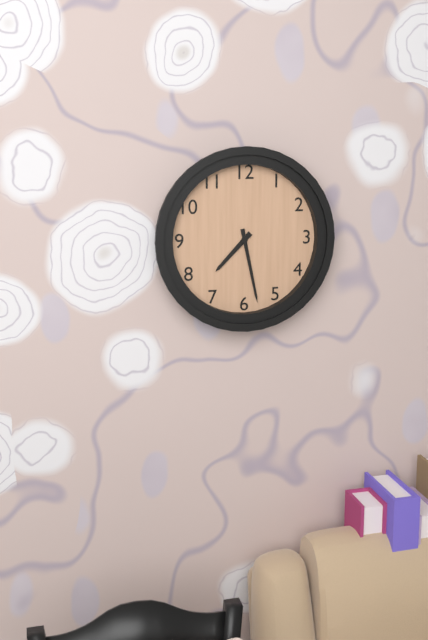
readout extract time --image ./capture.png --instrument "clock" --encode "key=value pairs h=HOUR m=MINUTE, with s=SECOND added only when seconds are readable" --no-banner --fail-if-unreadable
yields h=7 m=28
